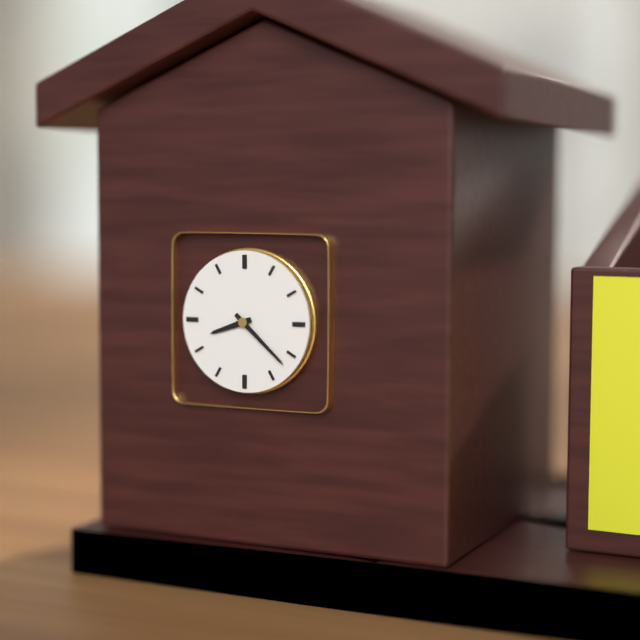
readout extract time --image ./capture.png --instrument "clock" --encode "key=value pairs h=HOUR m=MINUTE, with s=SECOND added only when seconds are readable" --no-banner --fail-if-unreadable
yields h=8 m=22
